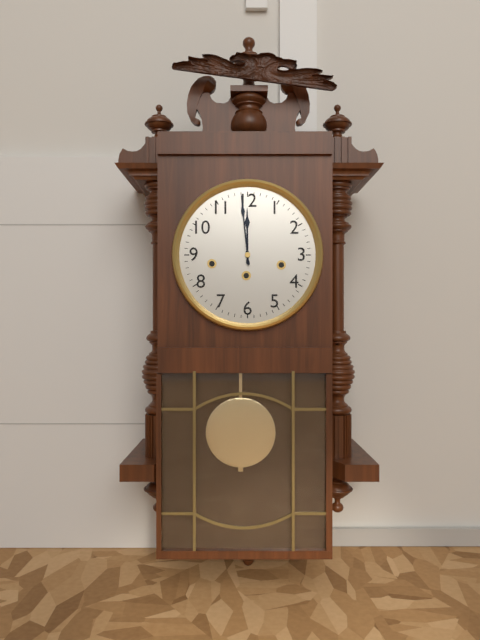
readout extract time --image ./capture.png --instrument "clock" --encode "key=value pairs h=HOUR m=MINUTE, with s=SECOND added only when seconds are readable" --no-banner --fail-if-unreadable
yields h=11 m=59
